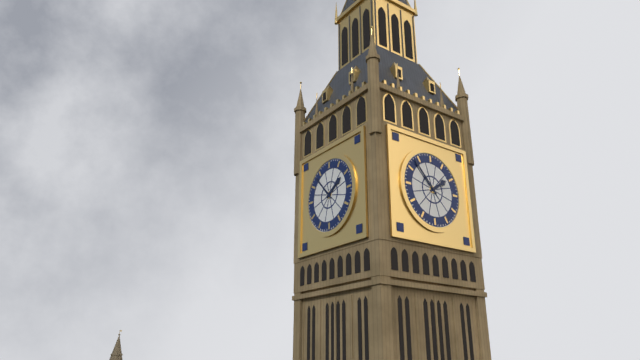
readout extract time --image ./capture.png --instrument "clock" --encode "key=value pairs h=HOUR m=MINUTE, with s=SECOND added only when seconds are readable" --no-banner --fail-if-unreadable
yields h=1 m=53
